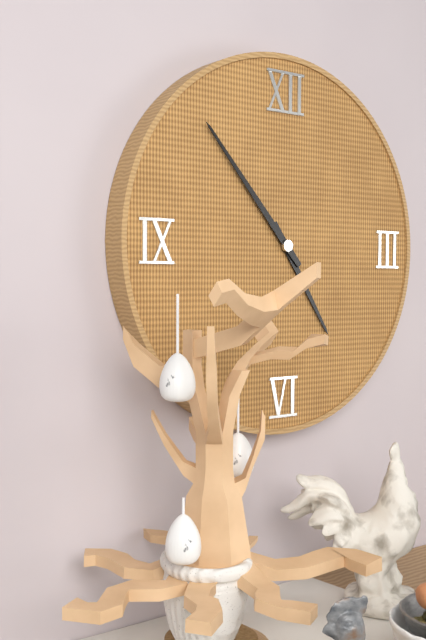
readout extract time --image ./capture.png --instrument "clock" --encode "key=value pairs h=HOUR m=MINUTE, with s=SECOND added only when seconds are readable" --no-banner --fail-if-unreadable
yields h=4 m=53
